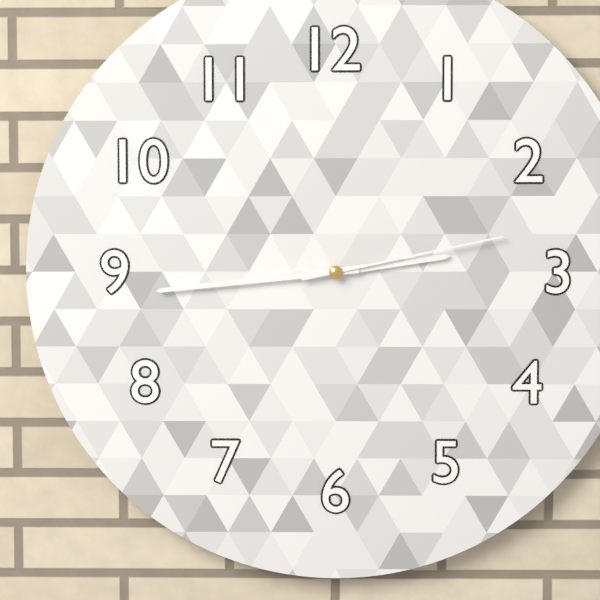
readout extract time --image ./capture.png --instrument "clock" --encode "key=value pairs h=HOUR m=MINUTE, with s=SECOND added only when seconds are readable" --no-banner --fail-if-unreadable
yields h=2 m=44 s=13
